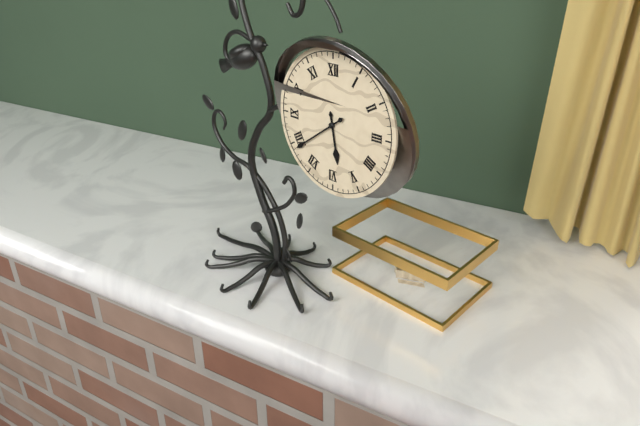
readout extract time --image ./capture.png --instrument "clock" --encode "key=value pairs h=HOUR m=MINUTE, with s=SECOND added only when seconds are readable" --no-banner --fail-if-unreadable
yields h=5 m=39
